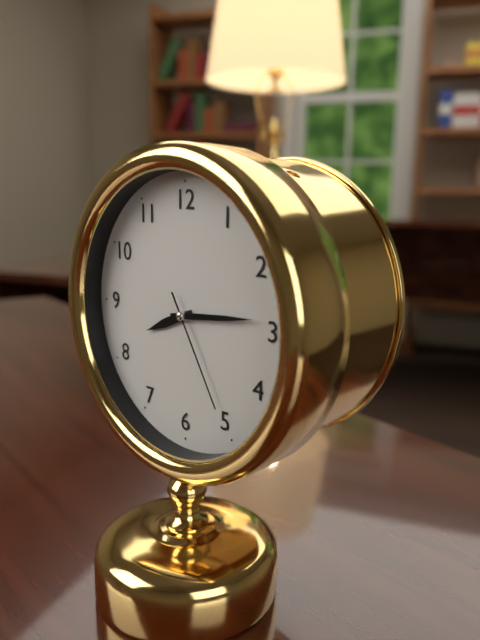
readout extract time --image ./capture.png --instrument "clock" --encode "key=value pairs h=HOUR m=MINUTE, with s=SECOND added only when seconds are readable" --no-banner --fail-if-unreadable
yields h=8 m=14 s=25
